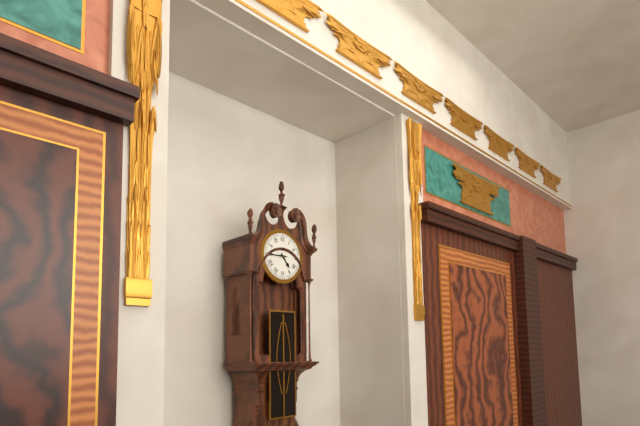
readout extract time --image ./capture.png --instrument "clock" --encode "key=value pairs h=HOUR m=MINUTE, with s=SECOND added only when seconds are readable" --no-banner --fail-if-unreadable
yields h=4 m=45
